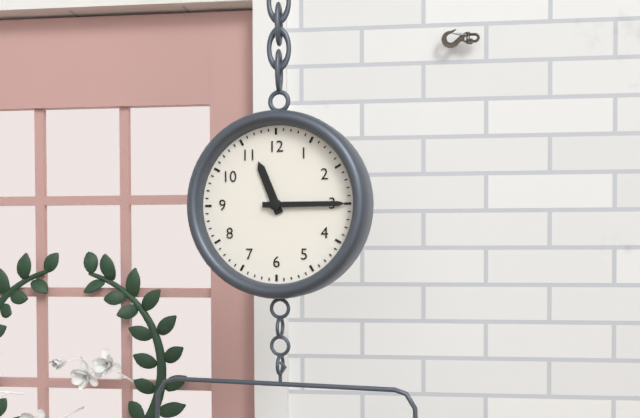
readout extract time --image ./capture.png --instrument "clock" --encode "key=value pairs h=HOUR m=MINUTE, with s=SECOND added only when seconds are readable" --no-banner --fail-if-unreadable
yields h=11 m=15
